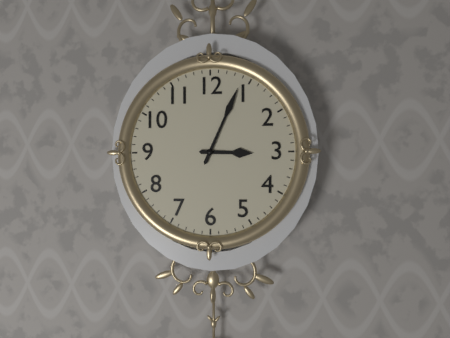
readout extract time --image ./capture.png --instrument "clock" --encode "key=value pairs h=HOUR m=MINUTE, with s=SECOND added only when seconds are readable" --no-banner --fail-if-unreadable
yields h=3 m=4
